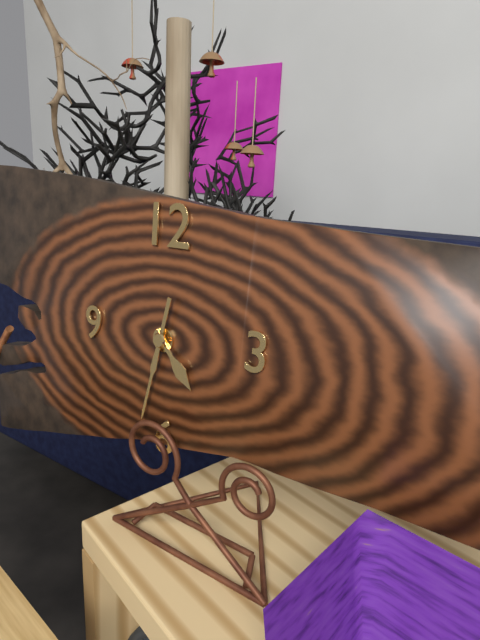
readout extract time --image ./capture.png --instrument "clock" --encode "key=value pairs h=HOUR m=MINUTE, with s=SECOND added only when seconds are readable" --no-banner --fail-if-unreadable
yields h=4 m=32
